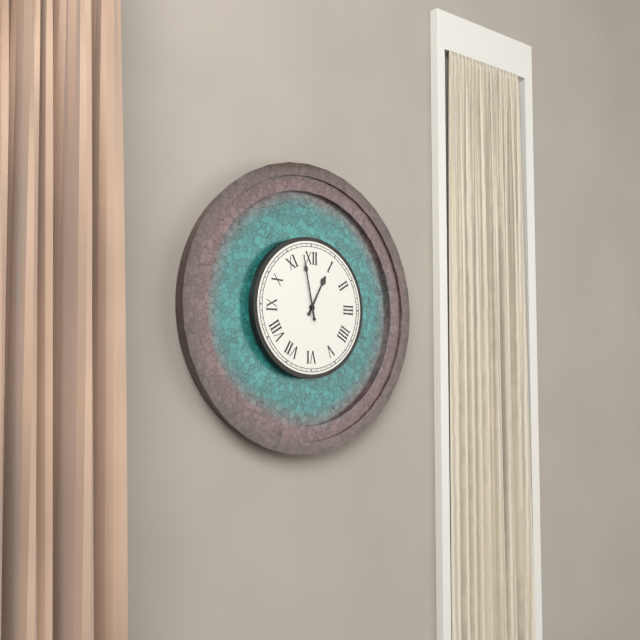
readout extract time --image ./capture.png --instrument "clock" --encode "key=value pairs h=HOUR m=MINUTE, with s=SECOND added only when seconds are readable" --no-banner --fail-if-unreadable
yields h=12 m=58
